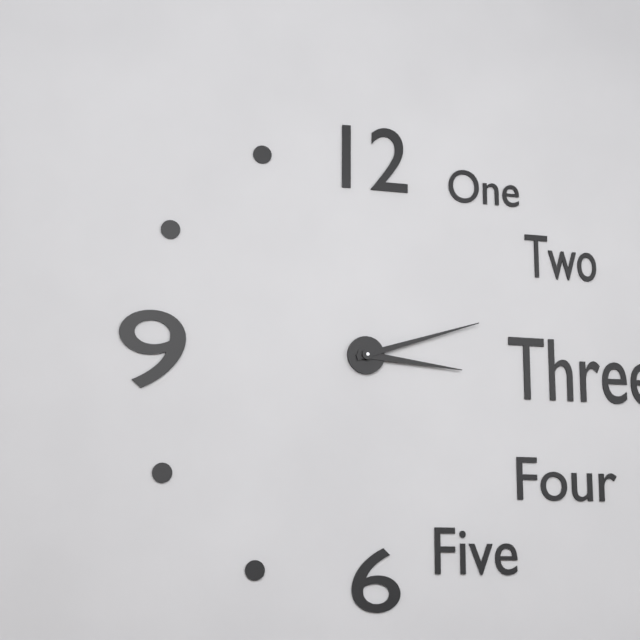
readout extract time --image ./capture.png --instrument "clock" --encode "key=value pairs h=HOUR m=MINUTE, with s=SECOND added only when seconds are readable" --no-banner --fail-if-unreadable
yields h=3 m=12
